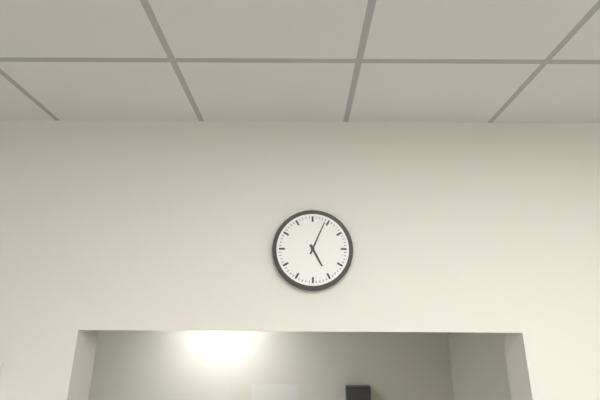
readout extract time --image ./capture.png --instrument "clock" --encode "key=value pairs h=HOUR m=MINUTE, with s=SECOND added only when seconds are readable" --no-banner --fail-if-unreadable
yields h=5 m=4
